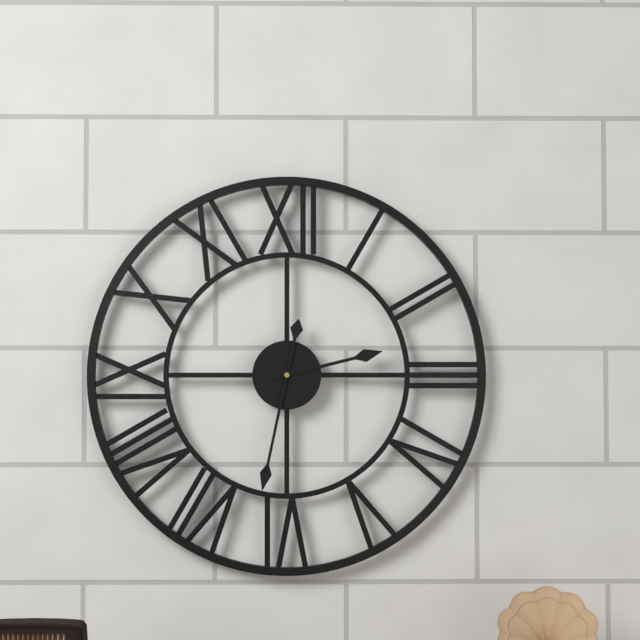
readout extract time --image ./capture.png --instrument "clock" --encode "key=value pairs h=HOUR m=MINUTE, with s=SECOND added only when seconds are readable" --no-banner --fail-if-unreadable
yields h=2 m=32
